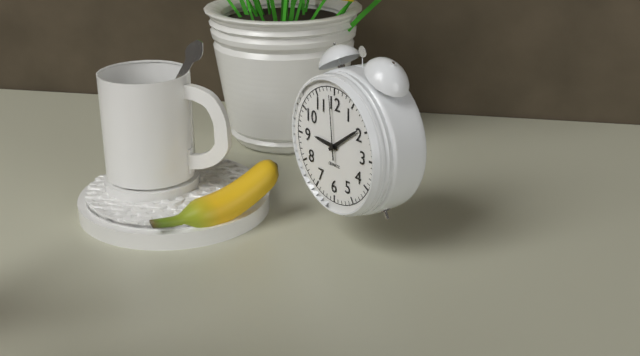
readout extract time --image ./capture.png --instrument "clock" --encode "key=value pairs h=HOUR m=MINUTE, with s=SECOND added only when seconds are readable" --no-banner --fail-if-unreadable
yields h=9 m=9 s=59
